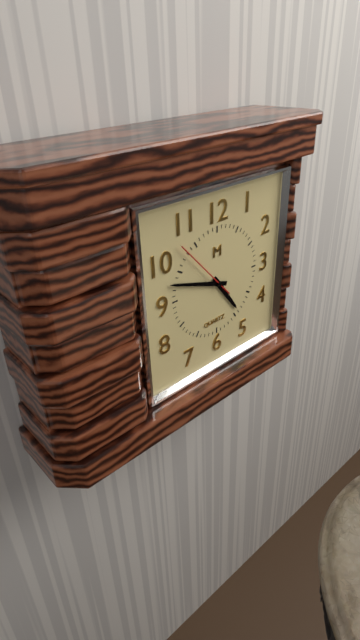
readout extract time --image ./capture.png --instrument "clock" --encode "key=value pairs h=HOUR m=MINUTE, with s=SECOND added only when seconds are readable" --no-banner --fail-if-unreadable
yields h=4 m=48 s=53
